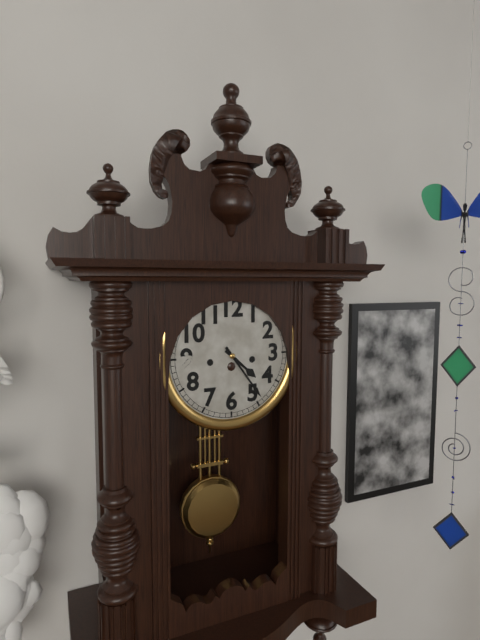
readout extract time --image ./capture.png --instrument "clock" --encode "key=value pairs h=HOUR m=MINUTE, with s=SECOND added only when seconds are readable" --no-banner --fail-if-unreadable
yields h=4 m=24
